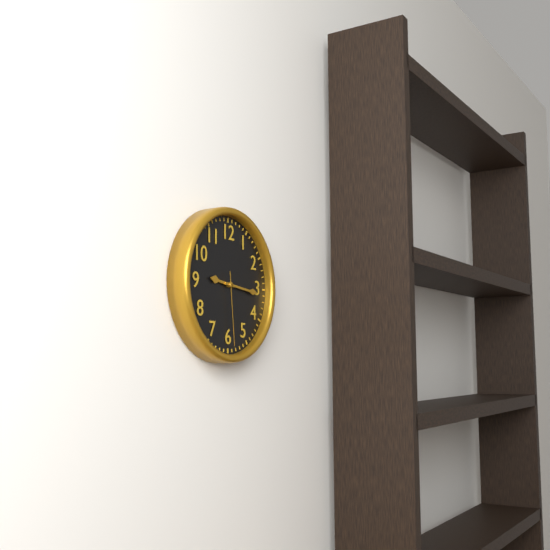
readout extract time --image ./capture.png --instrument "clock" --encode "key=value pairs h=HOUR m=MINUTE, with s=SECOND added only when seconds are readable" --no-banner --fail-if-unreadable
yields h=9 m=16 s=29
